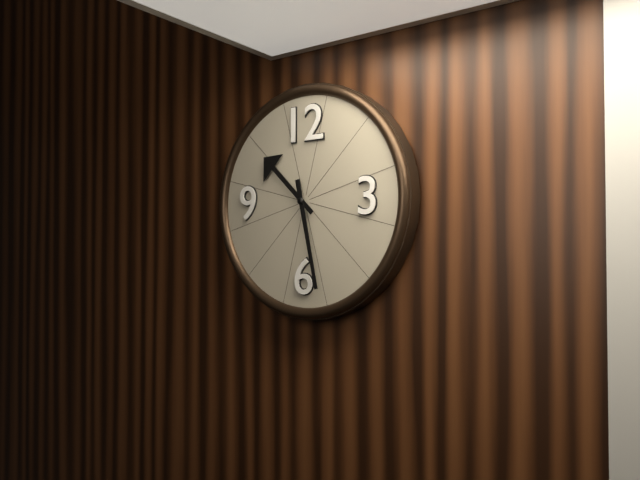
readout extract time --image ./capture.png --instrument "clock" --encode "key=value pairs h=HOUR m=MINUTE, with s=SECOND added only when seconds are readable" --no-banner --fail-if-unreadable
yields h=10 m=28
